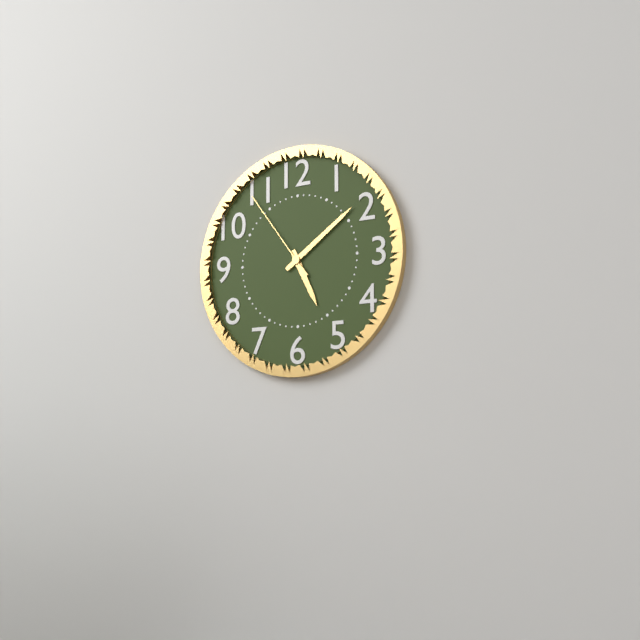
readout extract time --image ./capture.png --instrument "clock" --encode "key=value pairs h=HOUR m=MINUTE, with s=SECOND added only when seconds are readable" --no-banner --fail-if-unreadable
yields h=5 m=9 s=54
